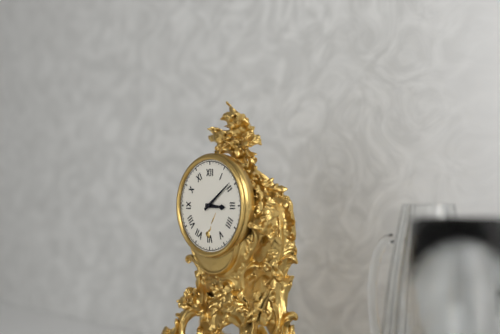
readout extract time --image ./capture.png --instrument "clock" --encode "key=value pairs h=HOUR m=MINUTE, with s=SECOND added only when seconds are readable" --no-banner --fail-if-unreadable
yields h=3 m=9
